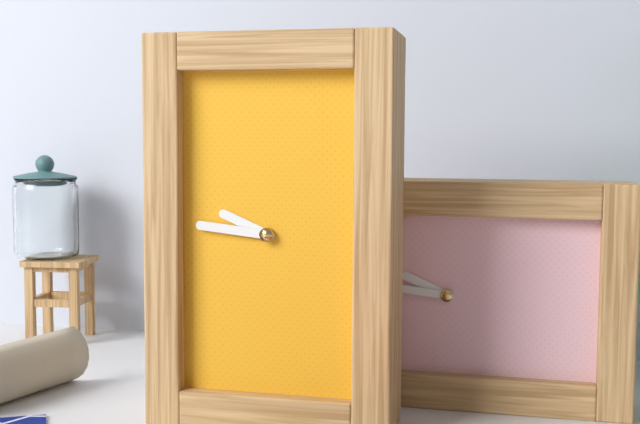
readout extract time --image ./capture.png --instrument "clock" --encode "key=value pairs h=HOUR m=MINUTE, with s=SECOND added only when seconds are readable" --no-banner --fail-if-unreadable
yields h=9 m=46
